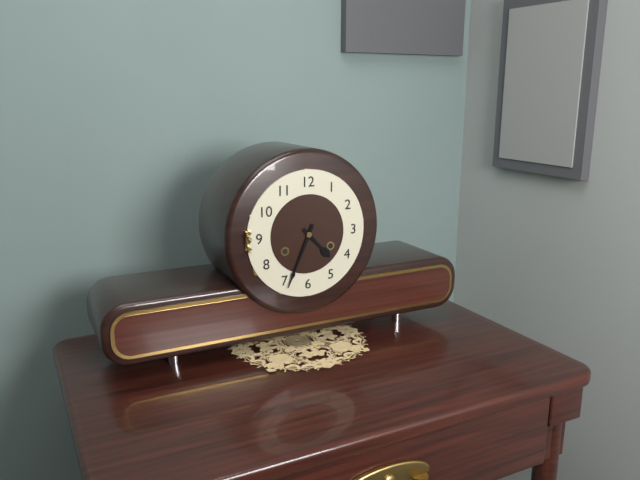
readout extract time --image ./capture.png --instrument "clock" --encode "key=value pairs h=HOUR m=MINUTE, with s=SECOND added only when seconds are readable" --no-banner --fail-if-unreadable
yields h=4 m=34
